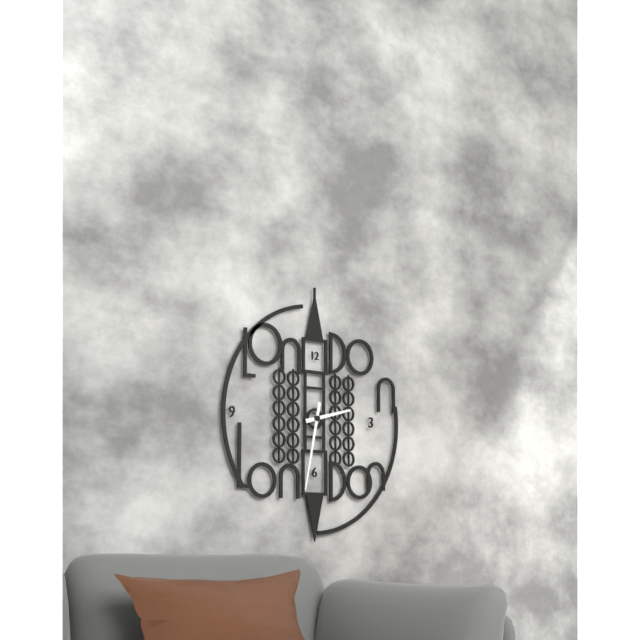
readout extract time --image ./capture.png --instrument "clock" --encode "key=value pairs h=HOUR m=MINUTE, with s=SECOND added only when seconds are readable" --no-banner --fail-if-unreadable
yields h=2 m=32
